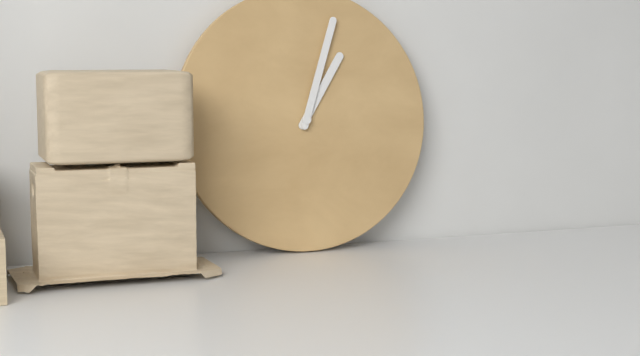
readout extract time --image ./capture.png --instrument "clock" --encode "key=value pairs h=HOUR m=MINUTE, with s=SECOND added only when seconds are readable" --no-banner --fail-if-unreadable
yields h=1 m=3
